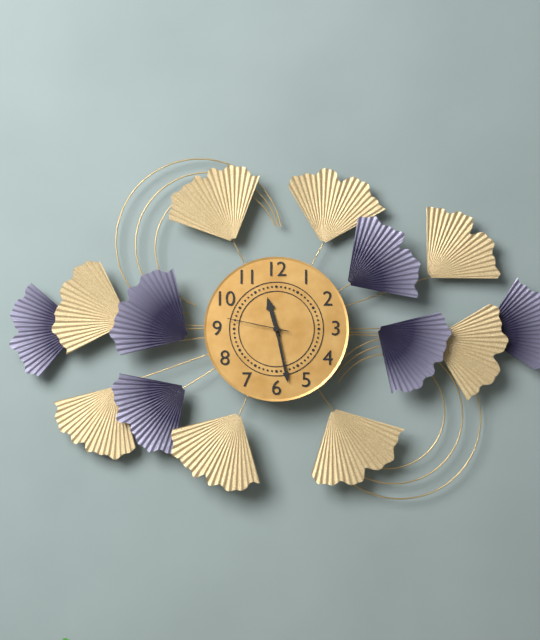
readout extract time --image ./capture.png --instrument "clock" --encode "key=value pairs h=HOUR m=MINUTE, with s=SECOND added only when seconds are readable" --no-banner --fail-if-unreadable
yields h=11 m=28 s=47
